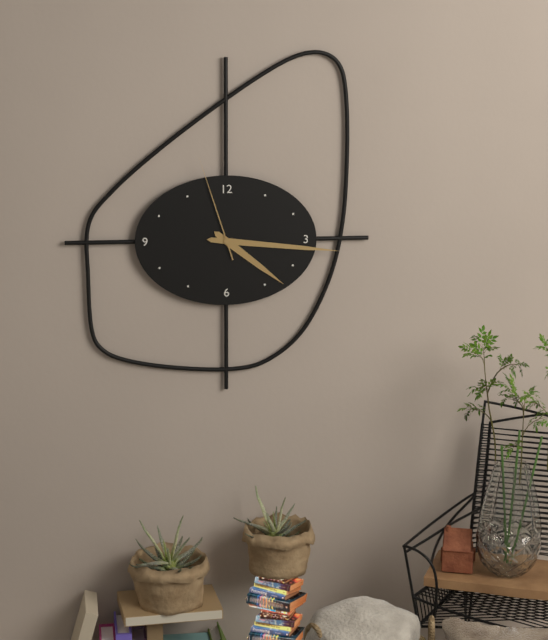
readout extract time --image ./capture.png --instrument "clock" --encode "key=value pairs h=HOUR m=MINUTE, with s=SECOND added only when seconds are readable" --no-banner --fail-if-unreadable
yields h=4 m=16 s=57
